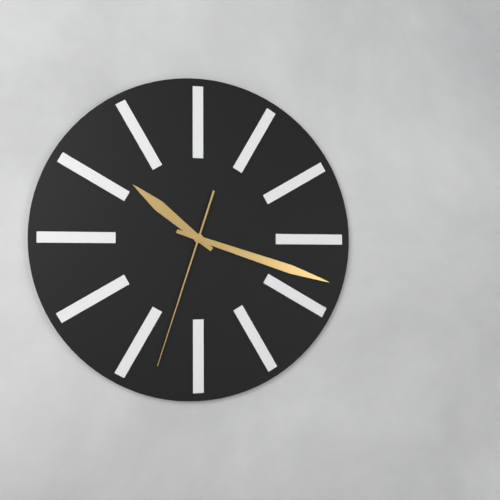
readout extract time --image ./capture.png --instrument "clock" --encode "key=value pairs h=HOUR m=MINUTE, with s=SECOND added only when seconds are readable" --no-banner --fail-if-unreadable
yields h=10 m=18 s=33
